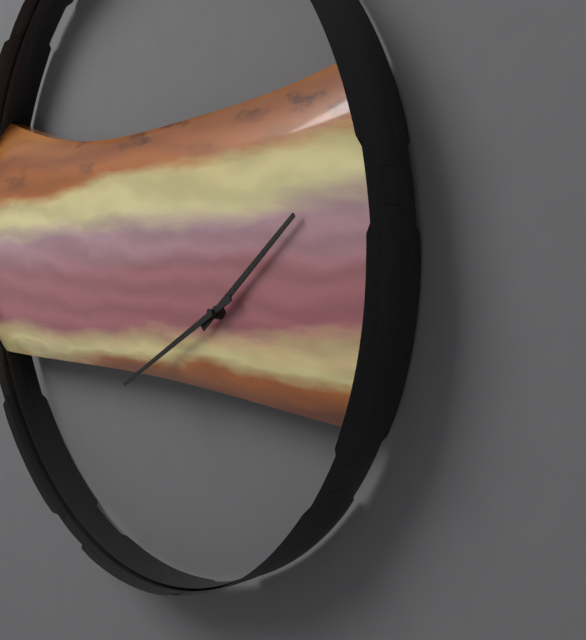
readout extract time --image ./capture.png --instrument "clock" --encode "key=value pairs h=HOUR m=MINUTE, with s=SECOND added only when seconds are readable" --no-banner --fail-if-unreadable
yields h=1 m=40
